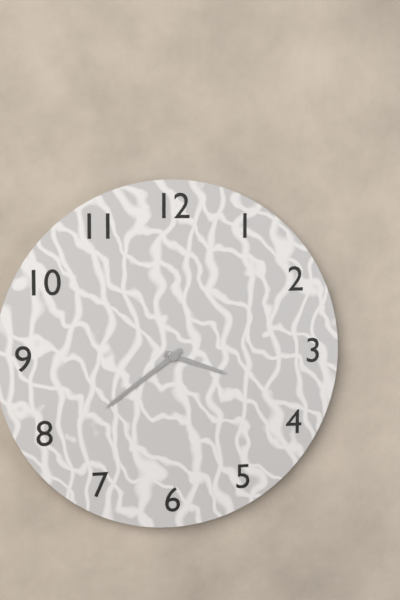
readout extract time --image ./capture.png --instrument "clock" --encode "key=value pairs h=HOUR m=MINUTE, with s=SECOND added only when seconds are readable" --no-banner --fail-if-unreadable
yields h=3 m=39
